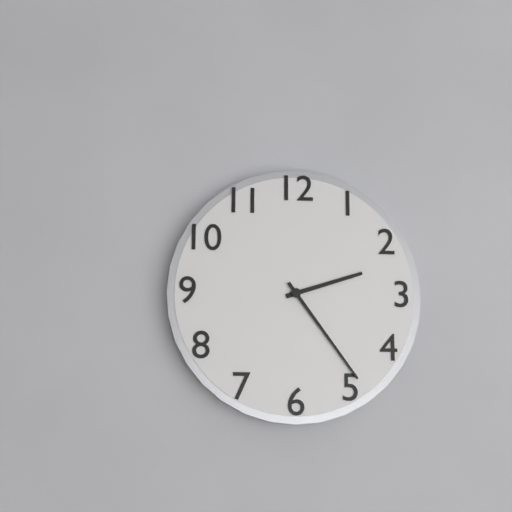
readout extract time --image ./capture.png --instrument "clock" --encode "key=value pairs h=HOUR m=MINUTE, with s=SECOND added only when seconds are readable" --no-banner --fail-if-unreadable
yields h=2 m=24
